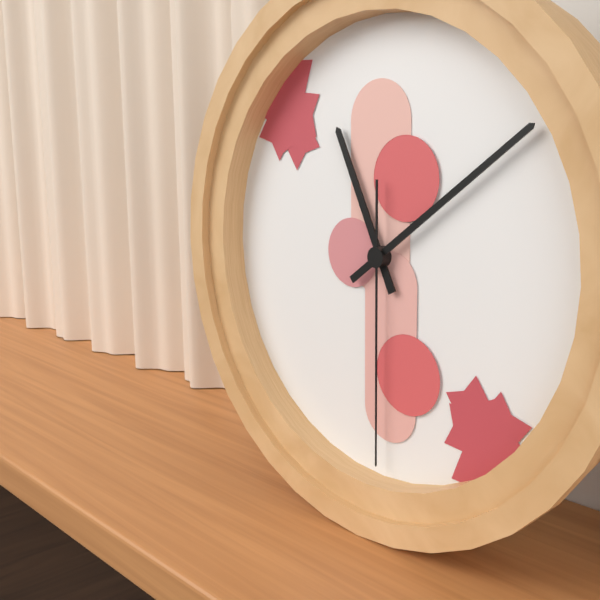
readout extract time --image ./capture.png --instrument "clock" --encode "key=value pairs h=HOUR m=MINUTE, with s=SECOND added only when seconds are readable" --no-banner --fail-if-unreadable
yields h=11 m=9 s=30
